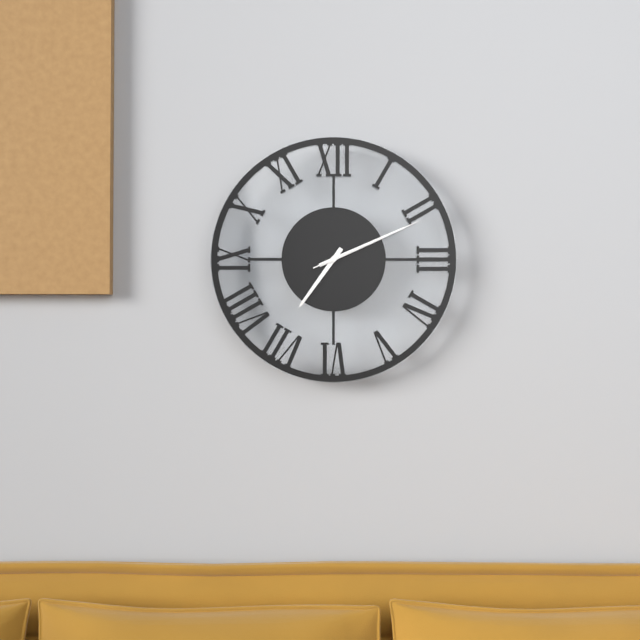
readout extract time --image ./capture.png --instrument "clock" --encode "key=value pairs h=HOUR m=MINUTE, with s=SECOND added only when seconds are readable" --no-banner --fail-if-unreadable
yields h=7 m=11 s=11
